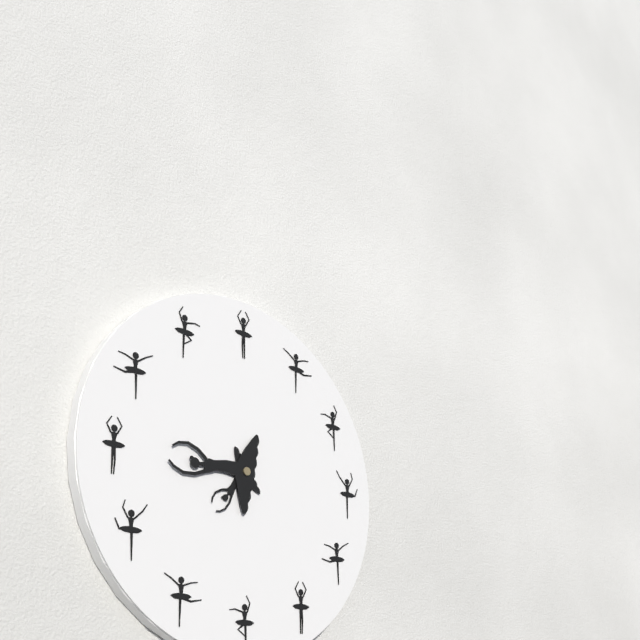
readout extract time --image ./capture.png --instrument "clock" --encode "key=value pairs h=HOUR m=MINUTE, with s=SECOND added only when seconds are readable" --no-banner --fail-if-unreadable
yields h=7 m=47
